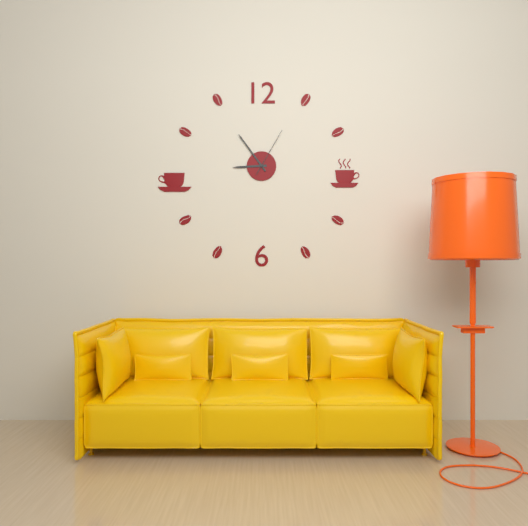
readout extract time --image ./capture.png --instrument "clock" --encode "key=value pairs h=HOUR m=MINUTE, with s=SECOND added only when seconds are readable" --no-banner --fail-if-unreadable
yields h=8 m=54 s=5
